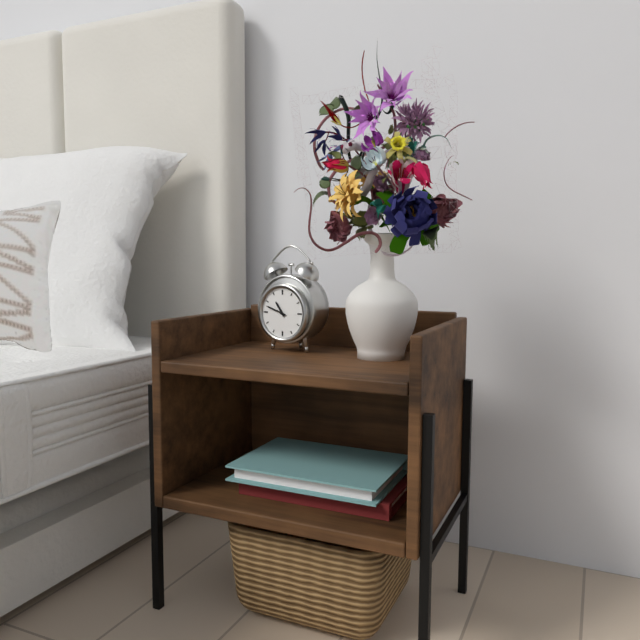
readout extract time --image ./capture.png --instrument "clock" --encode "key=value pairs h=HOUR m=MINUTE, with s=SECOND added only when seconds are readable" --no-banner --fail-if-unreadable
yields h=10 m=48
